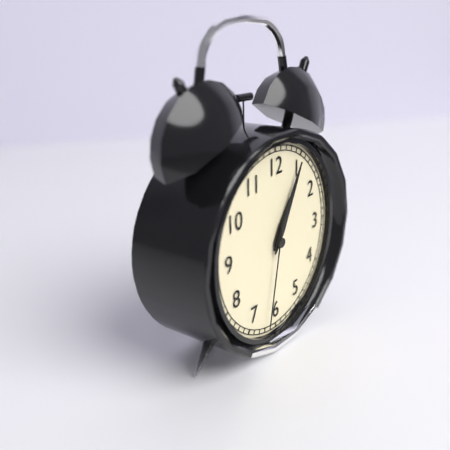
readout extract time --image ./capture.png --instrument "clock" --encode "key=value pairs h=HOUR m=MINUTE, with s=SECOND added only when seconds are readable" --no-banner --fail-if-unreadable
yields h=1 m=5 s=32
